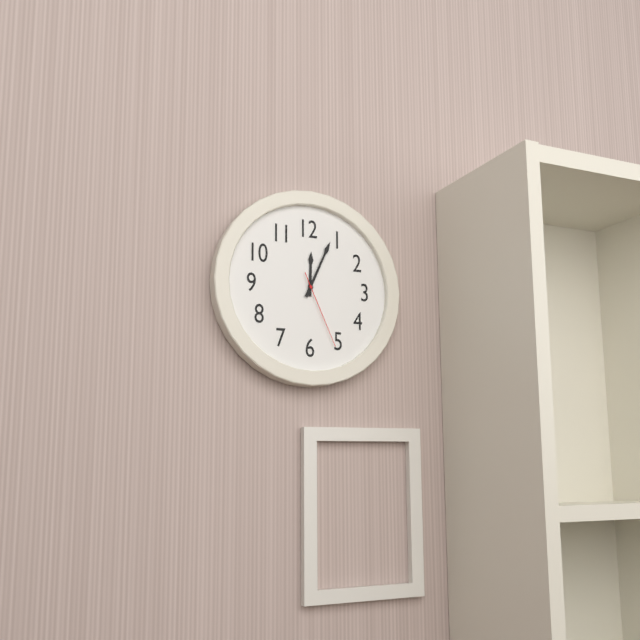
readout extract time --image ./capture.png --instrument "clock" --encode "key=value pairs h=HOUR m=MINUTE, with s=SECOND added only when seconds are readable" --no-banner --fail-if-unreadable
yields h=12 m=4 s=26
